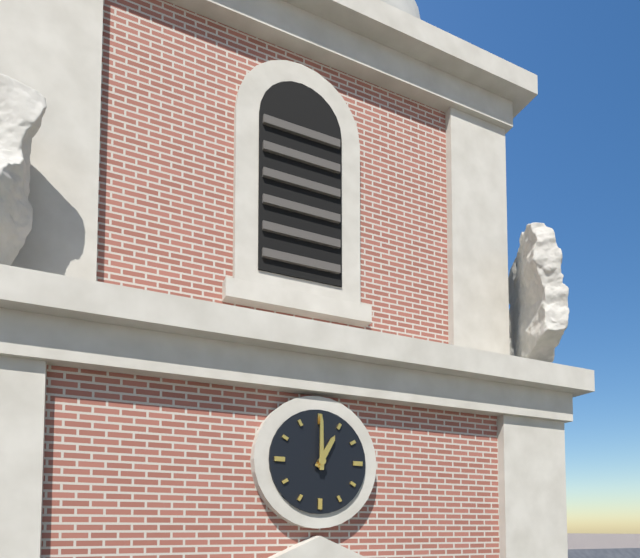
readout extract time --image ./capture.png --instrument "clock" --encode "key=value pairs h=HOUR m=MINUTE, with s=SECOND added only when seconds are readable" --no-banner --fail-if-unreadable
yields h=1 m=0
